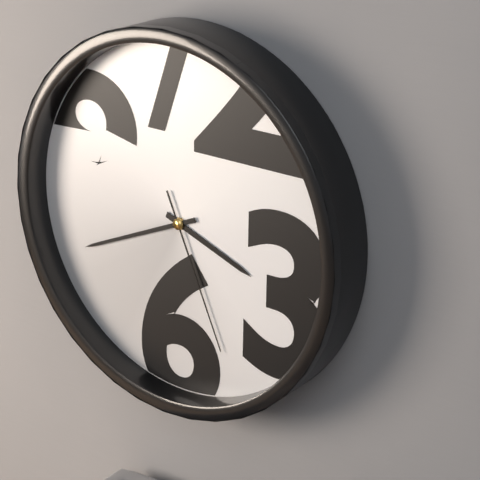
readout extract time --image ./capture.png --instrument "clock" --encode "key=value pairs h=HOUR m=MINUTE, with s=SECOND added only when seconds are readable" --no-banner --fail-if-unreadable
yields h=3 m=41 s=26
